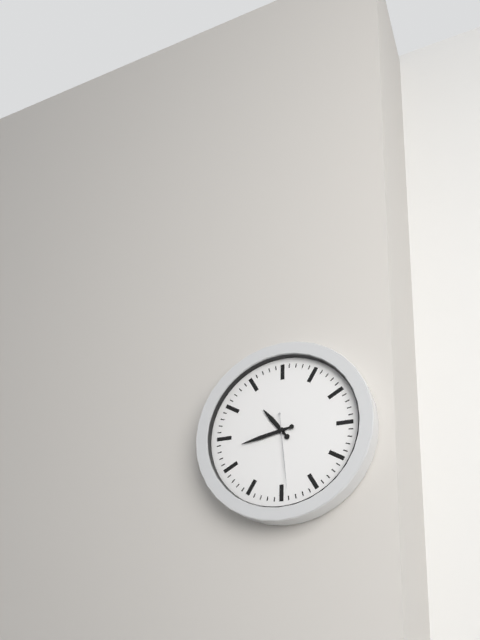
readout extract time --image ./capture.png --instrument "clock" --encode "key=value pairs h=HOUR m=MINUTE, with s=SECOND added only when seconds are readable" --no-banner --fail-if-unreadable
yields h=10 m=43 s=29
